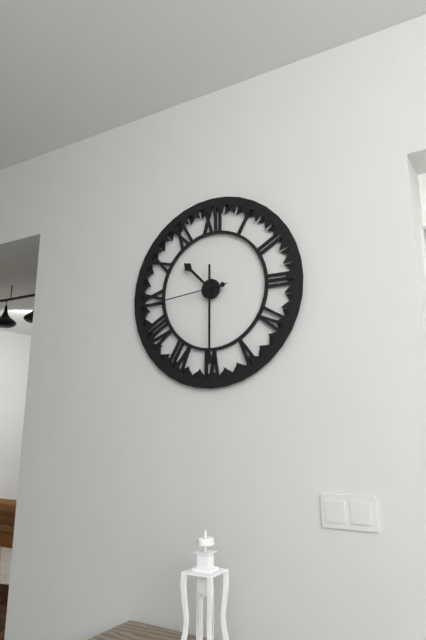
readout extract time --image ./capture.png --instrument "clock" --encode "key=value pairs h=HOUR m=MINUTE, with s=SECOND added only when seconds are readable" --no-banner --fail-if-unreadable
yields h=10 m=30 s=44
